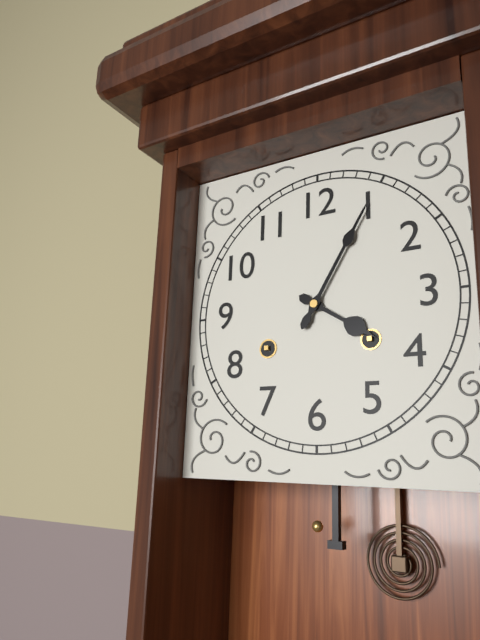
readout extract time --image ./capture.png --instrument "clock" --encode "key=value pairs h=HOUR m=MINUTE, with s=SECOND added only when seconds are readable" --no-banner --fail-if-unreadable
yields h=4 m=5
